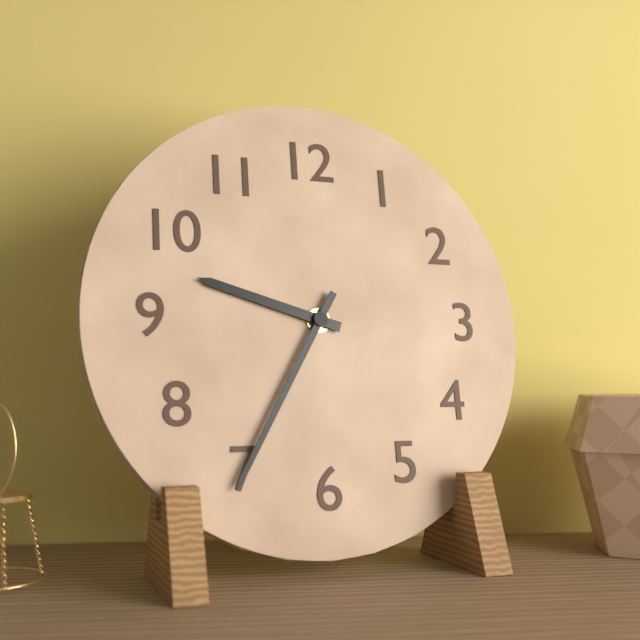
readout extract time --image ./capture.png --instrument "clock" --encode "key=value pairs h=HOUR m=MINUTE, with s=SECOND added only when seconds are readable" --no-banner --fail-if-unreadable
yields h=9 m=35
